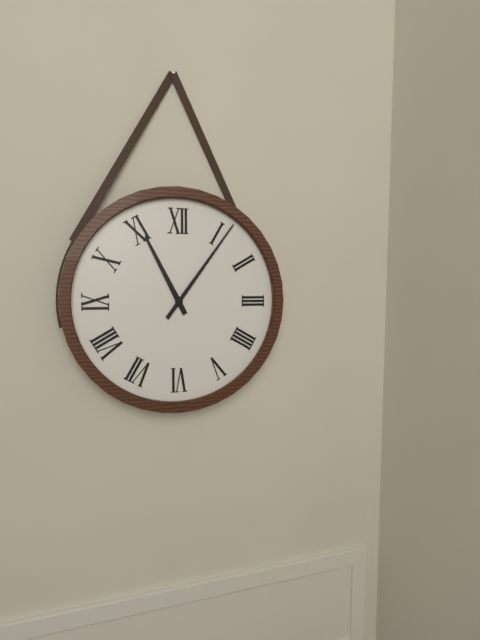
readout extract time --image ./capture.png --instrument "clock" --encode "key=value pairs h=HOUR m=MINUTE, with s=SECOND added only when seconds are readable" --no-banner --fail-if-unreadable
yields h=11 m=6
